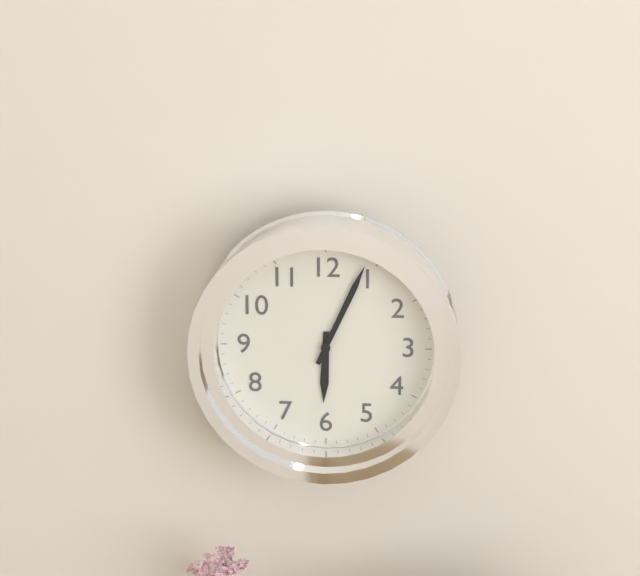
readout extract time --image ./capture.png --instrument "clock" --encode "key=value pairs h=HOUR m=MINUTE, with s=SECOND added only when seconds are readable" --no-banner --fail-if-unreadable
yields h=6 m=4
